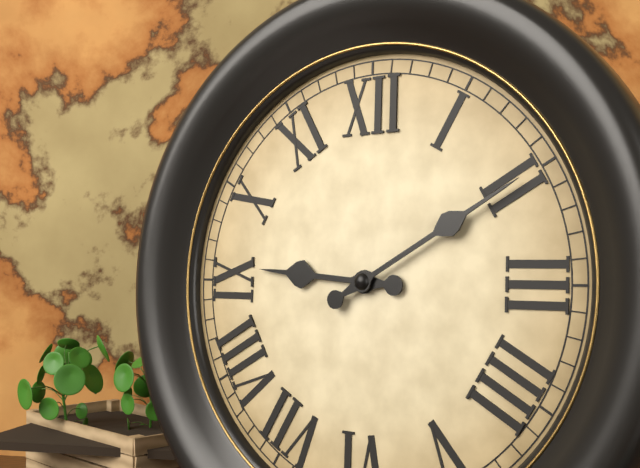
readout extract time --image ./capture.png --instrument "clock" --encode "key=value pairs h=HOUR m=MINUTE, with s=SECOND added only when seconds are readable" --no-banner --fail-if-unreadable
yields h=9 m=10
